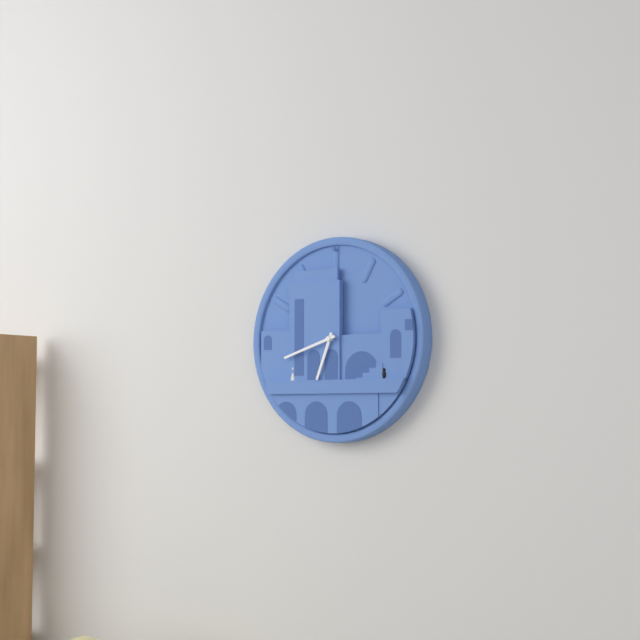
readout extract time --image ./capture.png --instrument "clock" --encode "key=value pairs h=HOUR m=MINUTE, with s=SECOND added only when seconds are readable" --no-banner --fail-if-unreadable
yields h=6 m=42
